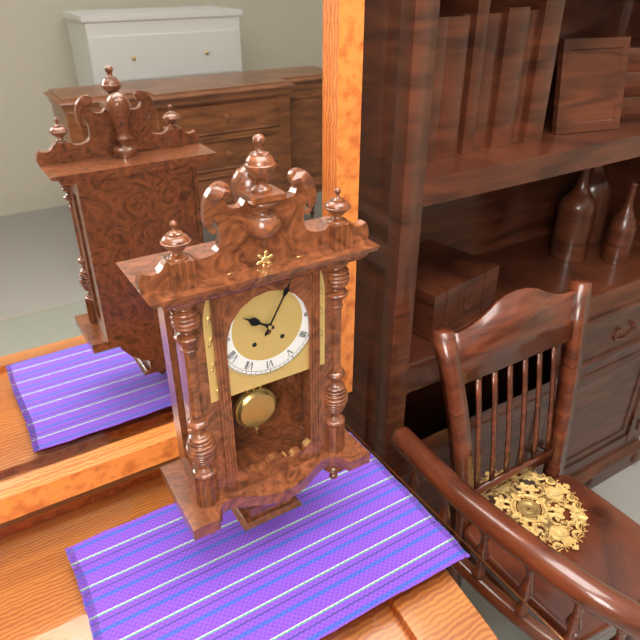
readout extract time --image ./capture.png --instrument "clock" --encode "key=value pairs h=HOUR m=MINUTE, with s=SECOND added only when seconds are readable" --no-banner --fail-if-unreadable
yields h=10 m=5
